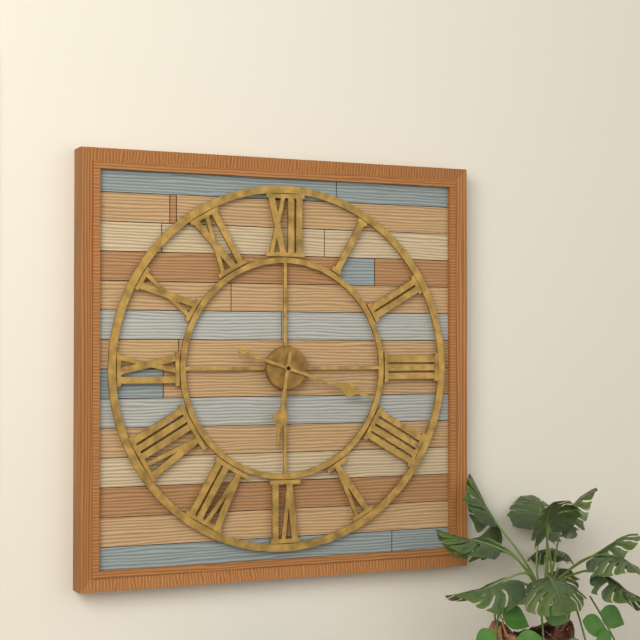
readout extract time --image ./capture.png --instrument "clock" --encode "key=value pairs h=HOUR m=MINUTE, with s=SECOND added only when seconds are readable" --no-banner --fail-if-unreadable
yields h=6 m=18
